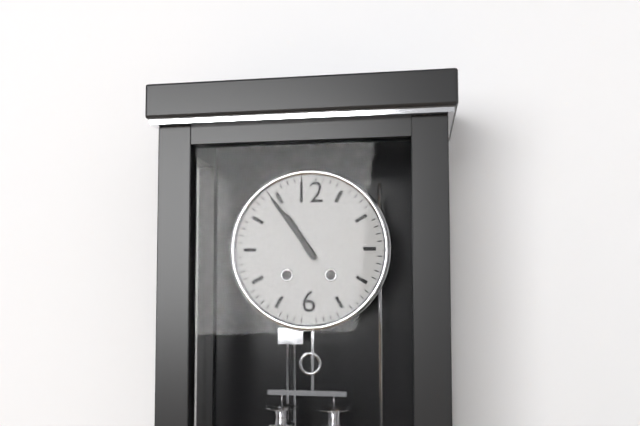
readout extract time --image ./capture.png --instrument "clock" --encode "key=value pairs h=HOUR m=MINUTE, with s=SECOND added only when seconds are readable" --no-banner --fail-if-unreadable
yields h=10 m=54
